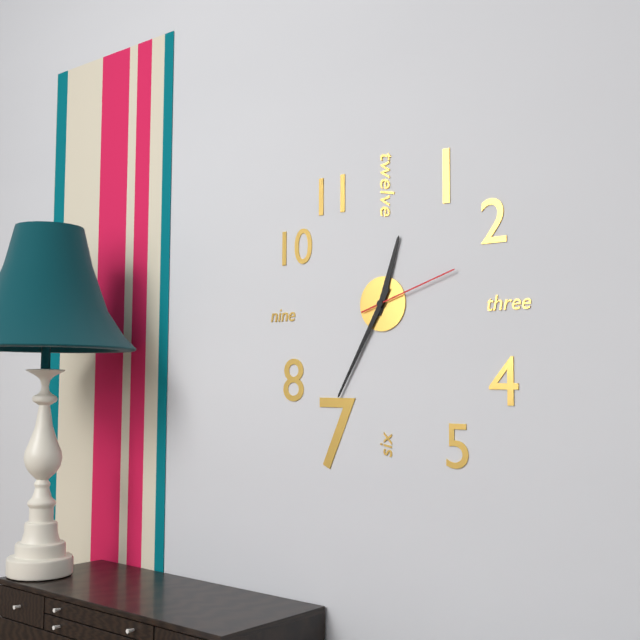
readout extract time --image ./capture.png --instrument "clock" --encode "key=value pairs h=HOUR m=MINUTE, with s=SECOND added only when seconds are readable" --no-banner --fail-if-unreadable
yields h=12 m=35 s=12
